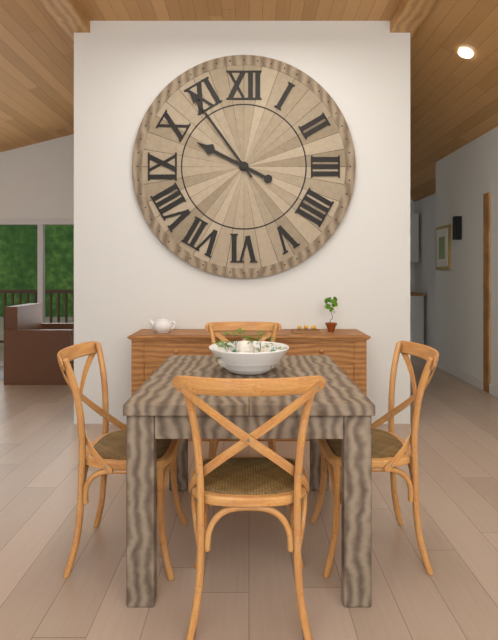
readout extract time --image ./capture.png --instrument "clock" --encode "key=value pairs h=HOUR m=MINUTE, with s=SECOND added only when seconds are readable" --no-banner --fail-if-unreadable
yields h=9 m=54
